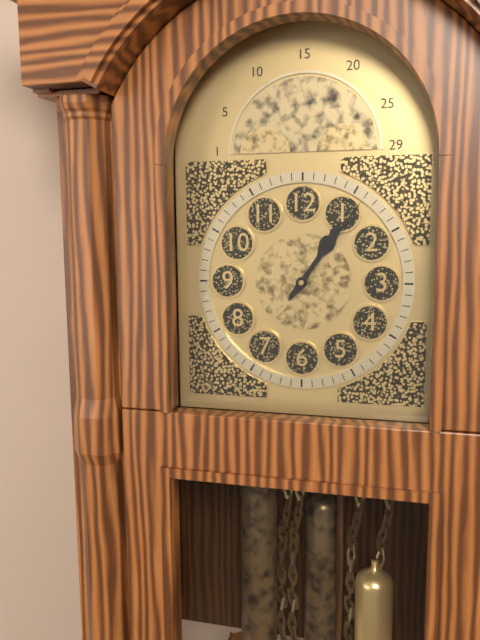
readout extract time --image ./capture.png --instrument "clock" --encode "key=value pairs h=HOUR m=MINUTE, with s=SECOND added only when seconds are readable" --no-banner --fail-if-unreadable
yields h=1 m=6
